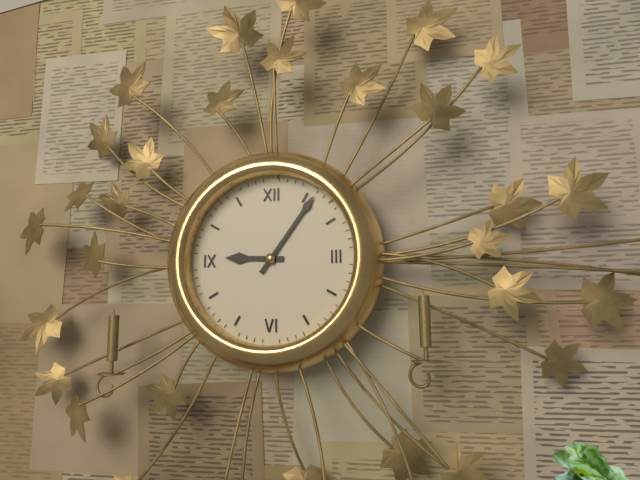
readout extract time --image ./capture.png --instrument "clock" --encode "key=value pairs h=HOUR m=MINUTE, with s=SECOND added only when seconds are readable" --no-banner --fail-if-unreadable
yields h=9 m=6
